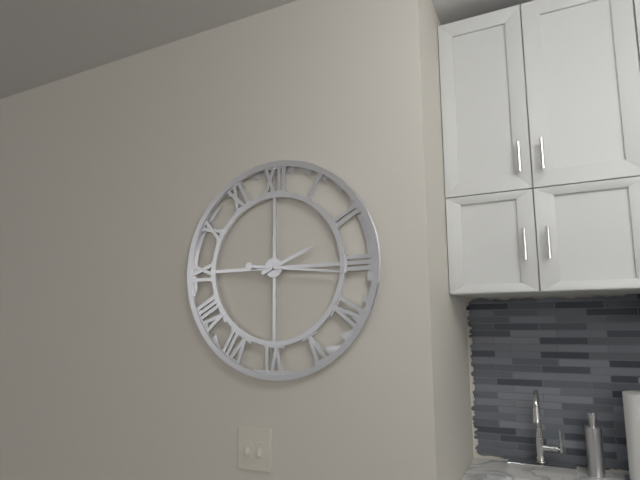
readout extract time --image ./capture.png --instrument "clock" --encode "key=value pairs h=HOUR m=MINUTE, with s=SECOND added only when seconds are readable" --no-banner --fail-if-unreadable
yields h=2 m=16
